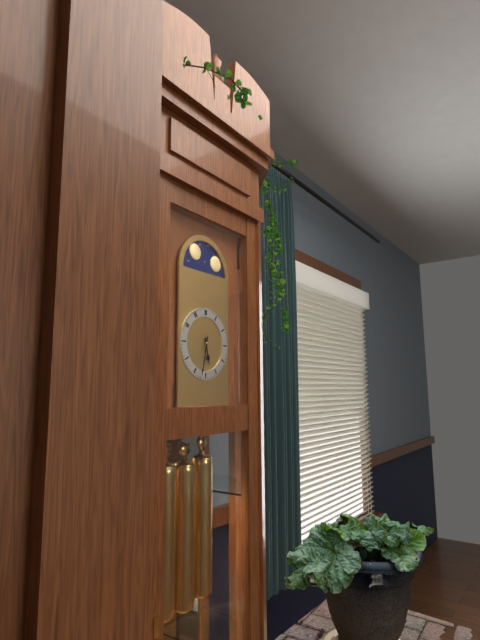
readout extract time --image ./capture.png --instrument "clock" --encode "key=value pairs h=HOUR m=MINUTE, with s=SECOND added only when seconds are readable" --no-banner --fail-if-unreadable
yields h=5 m=32
